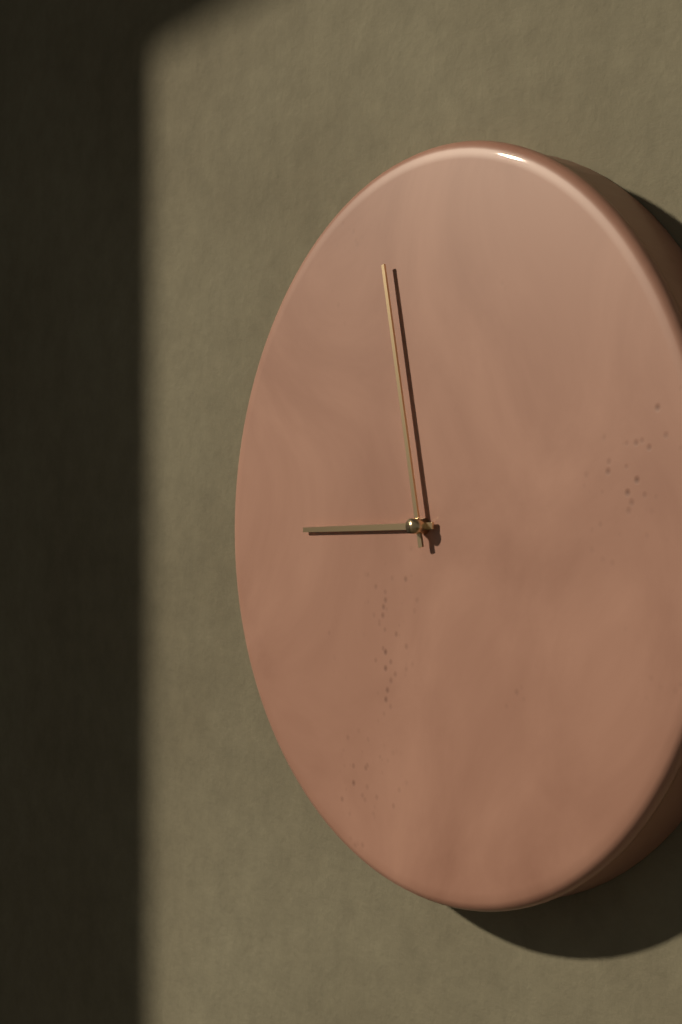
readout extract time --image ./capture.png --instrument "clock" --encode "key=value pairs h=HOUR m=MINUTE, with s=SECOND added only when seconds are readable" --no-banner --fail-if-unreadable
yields h=8 m=58
